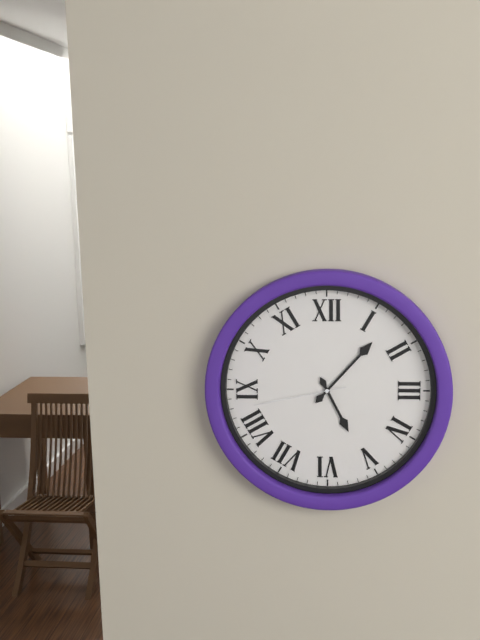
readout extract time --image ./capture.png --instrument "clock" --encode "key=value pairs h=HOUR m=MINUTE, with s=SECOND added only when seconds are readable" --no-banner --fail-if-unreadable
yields h=5 m=7 s=43
